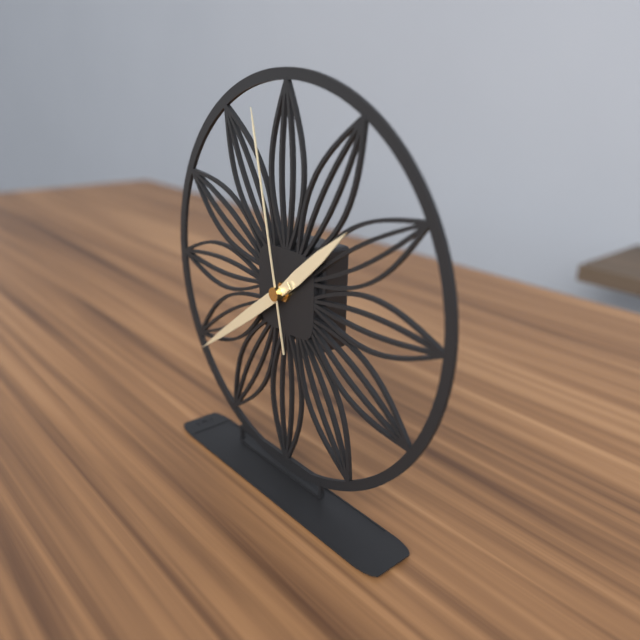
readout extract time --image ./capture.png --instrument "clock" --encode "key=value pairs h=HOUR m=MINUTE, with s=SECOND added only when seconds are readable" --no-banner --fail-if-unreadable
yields h=1 m=39 s=58
